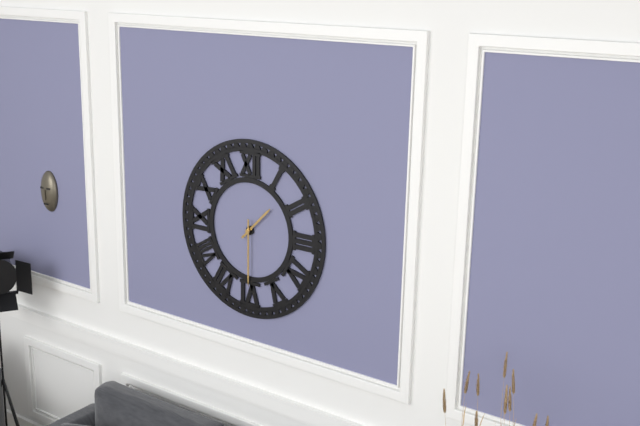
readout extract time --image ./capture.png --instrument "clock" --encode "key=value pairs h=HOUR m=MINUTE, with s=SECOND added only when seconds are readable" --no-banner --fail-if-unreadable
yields h=1 m=30
